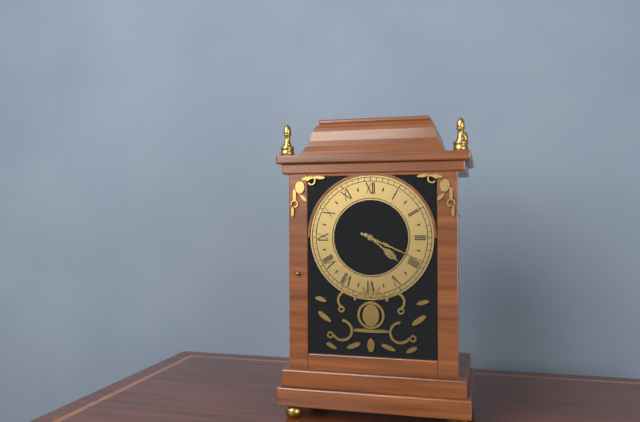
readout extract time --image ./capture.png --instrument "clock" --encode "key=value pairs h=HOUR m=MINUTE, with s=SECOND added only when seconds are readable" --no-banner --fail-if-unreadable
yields h=4 m=19
